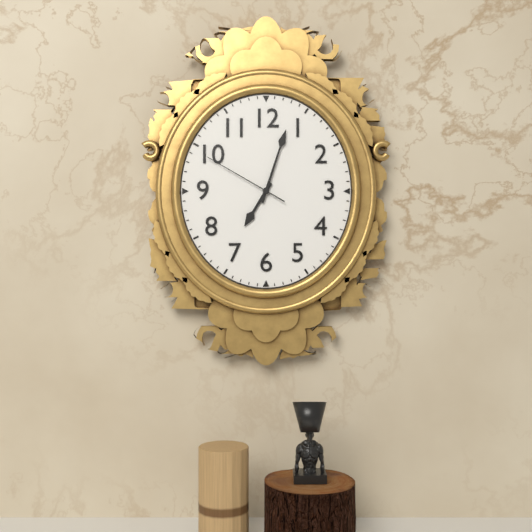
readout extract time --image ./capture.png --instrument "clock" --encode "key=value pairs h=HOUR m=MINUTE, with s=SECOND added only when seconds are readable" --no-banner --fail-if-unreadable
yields h=7 m=3 s=50
